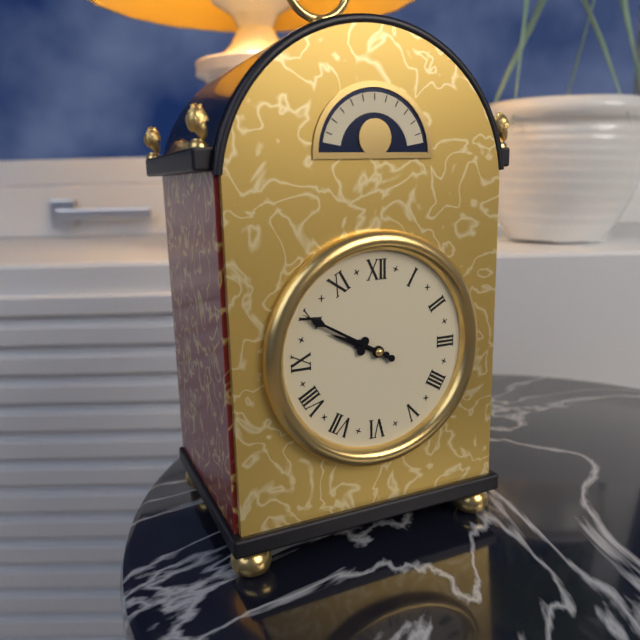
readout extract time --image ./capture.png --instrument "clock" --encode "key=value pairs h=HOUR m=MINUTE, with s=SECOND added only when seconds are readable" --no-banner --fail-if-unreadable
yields h=9 m=50
